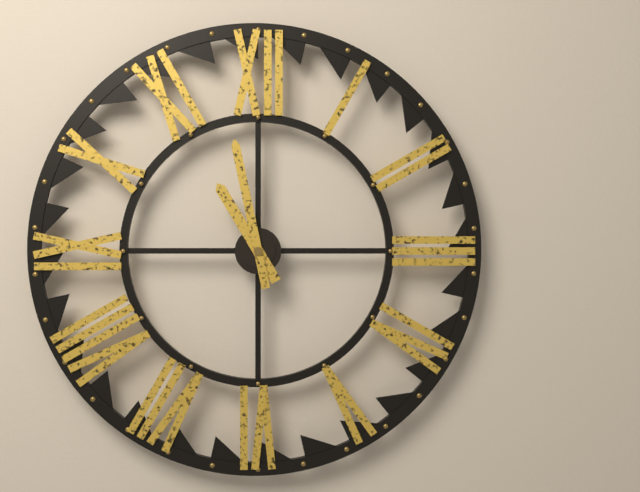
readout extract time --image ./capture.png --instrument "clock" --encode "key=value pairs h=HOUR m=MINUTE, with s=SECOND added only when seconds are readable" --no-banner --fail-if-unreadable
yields h=10 m=58
